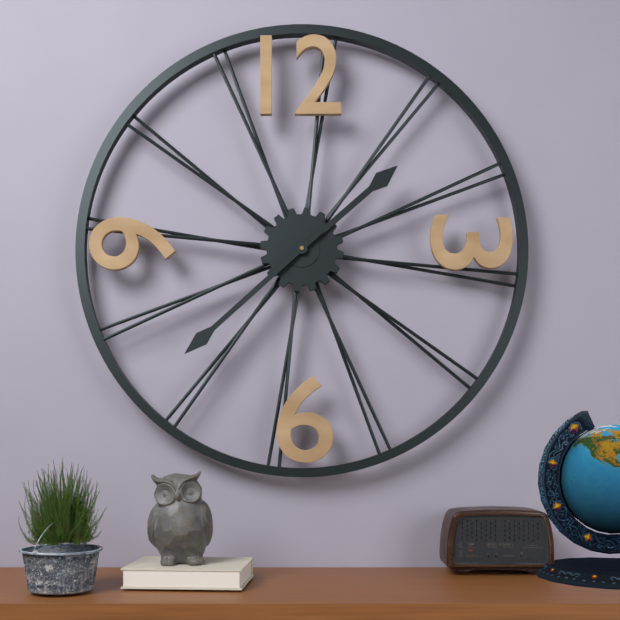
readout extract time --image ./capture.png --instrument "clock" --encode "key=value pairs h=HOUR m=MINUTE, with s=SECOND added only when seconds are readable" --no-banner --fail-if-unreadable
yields h=1 m=38
